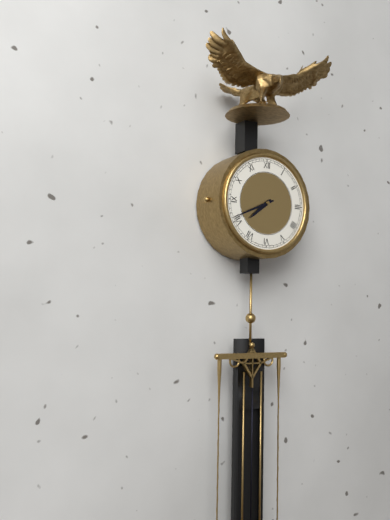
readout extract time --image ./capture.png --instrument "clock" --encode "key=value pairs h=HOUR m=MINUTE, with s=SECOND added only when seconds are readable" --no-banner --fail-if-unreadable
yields h=7 m=41
